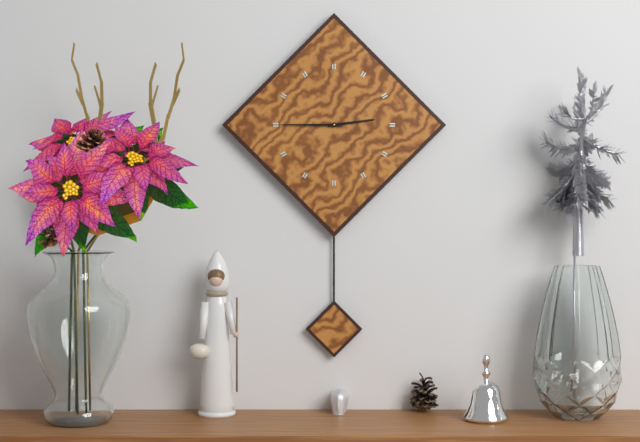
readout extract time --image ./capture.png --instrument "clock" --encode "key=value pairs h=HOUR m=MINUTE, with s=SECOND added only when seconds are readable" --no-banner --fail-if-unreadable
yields h=2 m=45
